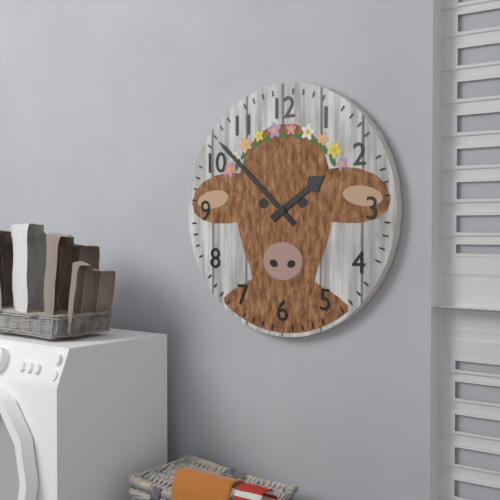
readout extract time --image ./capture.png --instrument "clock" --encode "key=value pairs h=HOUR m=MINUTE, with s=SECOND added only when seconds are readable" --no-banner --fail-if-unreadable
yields h=1 m=52
